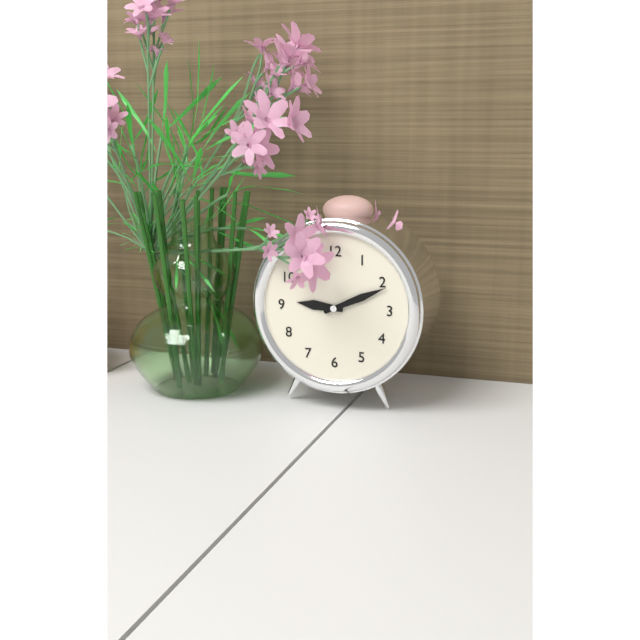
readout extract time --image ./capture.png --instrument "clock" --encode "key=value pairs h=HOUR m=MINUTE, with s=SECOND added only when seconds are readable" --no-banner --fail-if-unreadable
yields h=9 m=11
